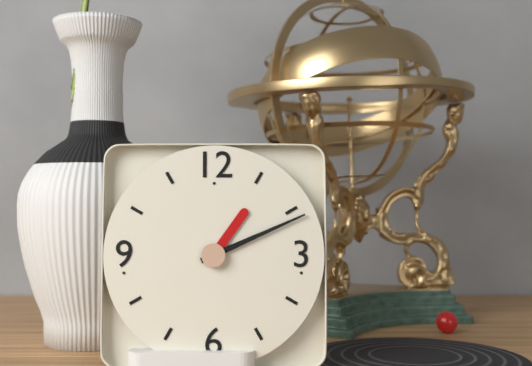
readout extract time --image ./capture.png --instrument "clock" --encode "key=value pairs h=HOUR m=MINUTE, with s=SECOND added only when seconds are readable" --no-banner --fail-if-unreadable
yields h=1 m=11
